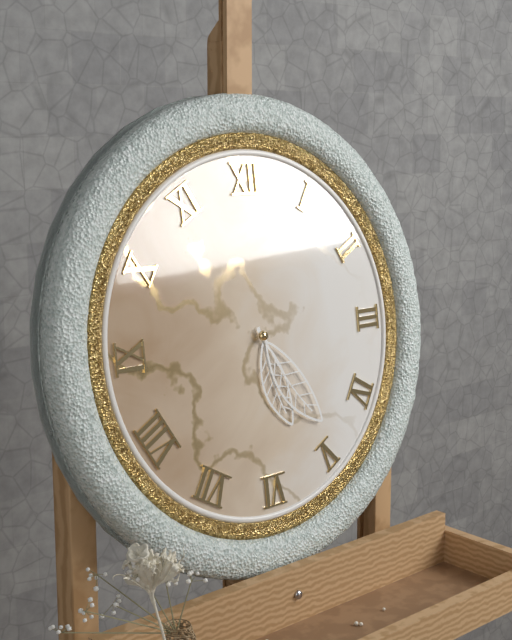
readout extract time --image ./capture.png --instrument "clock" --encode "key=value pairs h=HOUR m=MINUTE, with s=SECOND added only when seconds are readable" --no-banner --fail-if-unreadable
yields h=5 m=24
